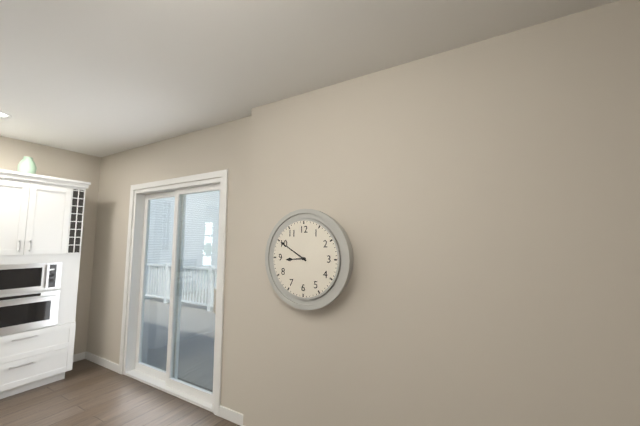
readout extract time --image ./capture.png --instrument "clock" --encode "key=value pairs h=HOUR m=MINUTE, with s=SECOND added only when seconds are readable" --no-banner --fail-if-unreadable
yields h=8 m=50
